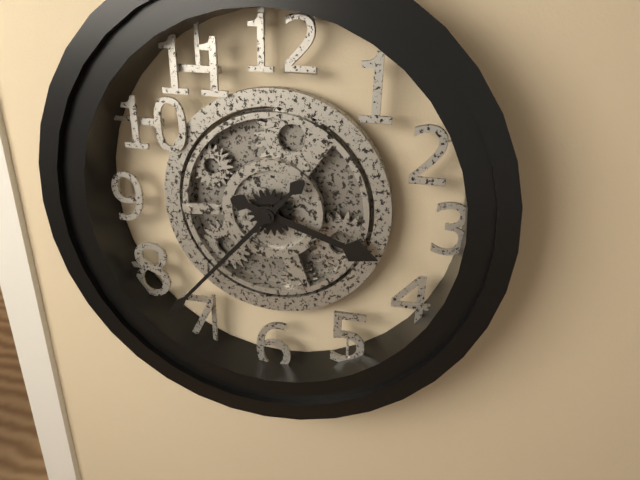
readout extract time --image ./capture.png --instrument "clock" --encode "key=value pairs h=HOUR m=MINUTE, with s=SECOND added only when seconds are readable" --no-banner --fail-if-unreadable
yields h=3 m=37
